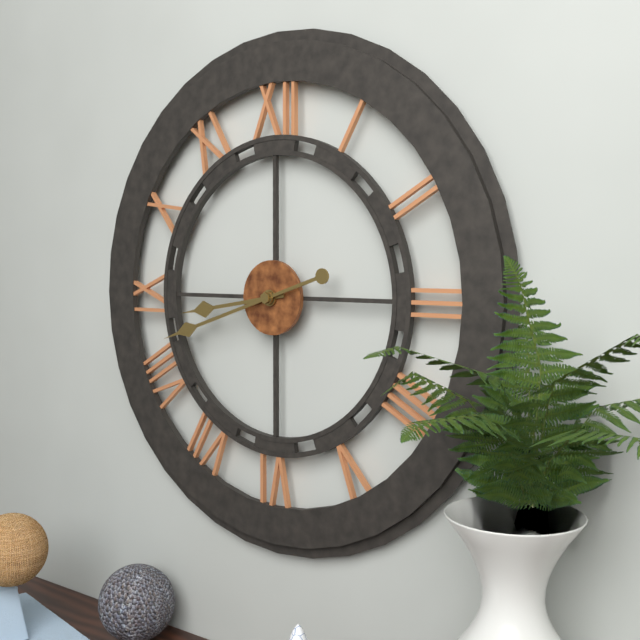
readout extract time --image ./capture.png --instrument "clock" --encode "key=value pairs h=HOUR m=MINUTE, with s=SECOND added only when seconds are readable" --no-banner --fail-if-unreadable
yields h=8 m=42
